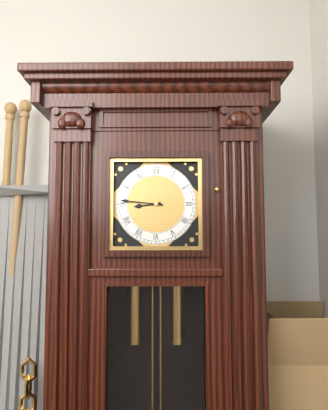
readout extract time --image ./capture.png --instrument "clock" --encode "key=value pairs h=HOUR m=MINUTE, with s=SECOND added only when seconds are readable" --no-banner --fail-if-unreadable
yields h=8 m=46
